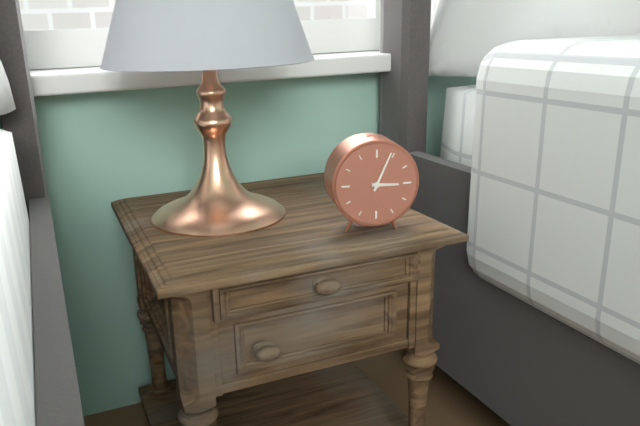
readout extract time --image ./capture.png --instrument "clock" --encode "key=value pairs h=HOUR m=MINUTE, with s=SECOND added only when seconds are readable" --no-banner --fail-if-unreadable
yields h=3 m=4
